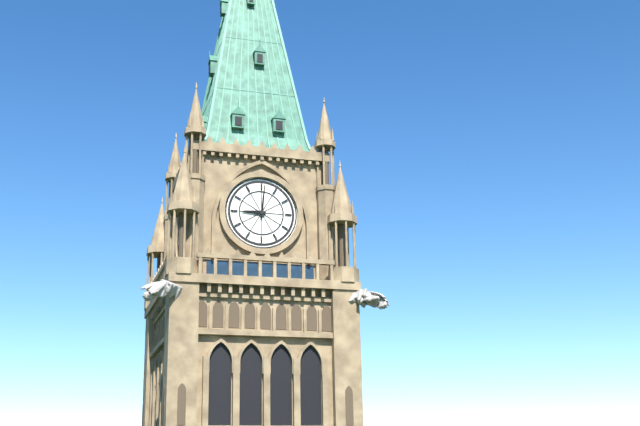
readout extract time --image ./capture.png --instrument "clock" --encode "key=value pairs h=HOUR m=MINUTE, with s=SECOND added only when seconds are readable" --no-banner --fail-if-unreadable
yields h=9 m=1
